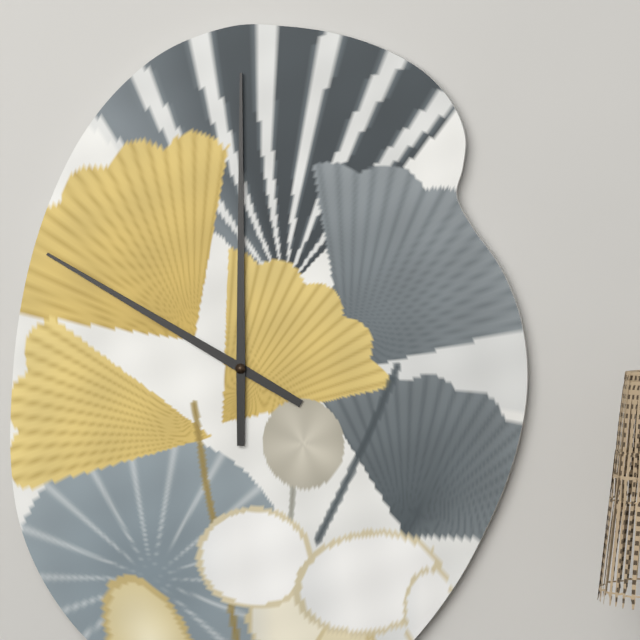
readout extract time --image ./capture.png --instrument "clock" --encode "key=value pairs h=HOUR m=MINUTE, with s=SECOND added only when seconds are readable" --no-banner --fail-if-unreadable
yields h=10 m=0
